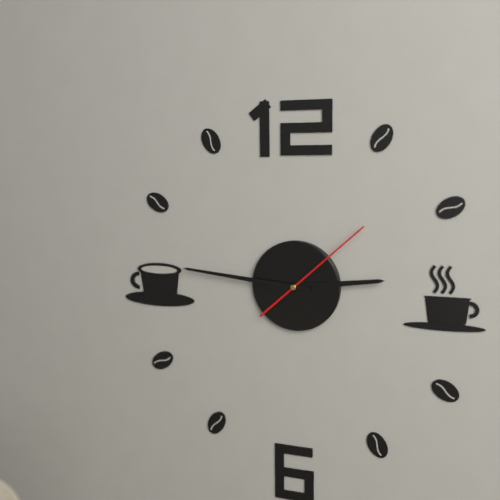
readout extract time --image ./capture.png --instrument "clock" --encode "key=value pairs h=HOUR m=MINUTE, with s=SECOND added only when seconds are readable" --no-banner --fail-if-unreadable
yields h=2 m=46 s=8
